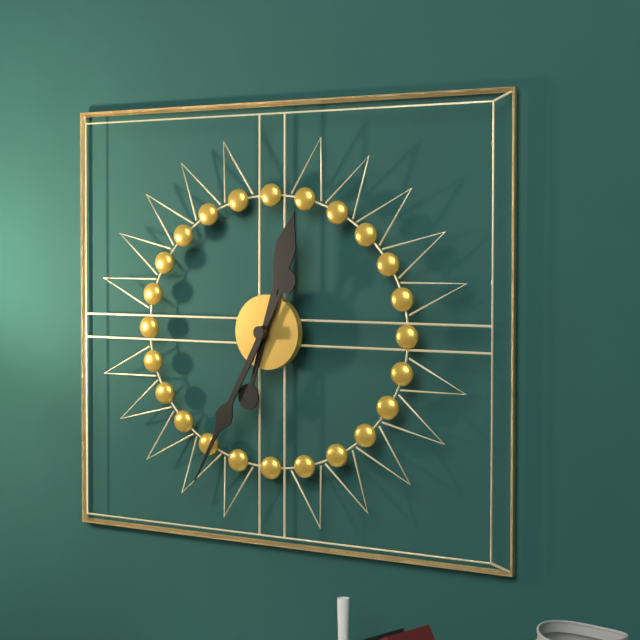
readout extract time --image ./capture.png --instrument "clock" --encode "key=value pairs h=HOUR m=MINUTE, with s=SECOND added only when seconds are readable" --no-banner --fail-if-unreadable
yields h=12 m=35
